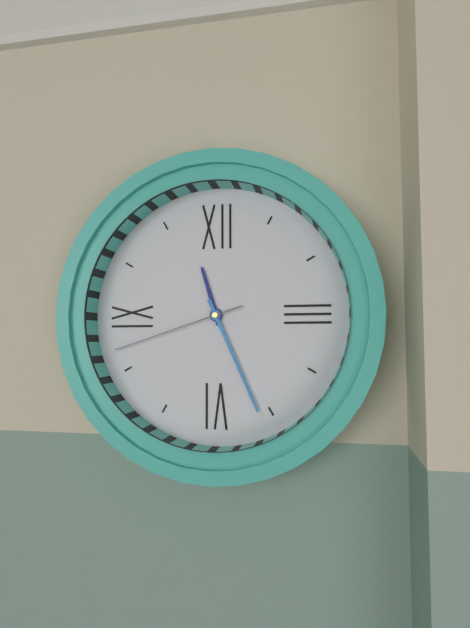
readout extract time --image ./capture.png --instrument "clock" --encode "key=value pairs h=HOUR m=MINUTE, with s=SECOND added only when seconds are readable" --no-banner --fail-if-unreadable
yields h=11 m=26 s=42
